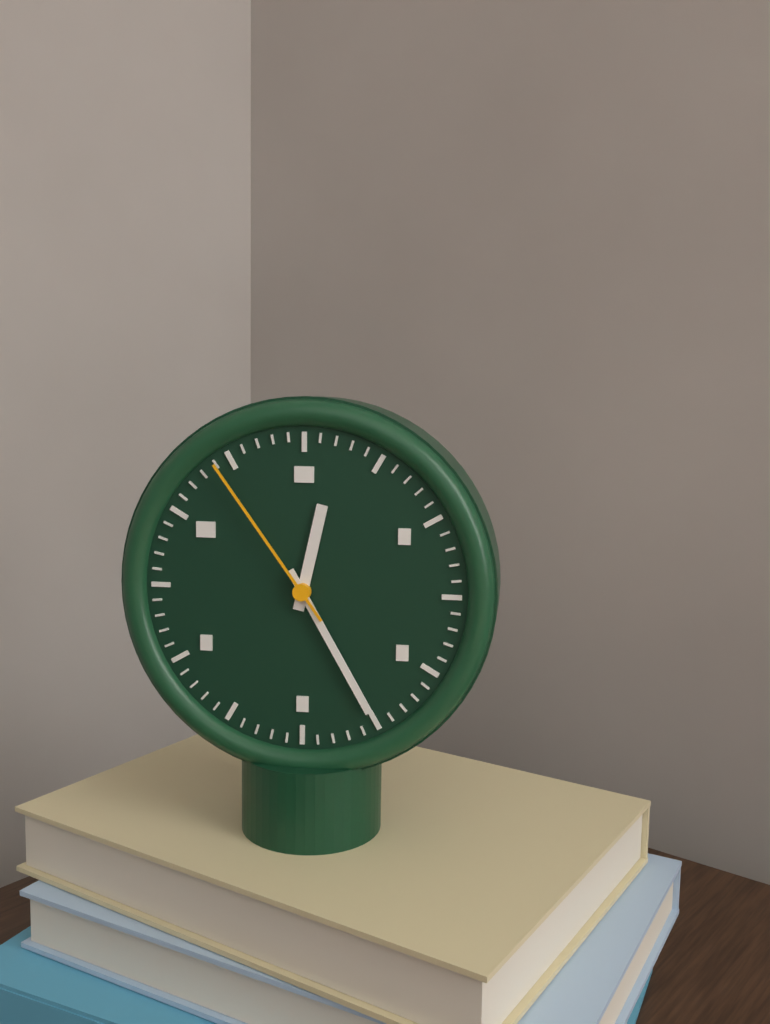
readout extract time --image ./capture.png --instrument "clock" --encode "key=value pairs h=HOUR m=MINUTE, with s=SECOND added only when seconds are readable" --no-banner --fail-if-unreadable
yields h=12 m=25 s=54
